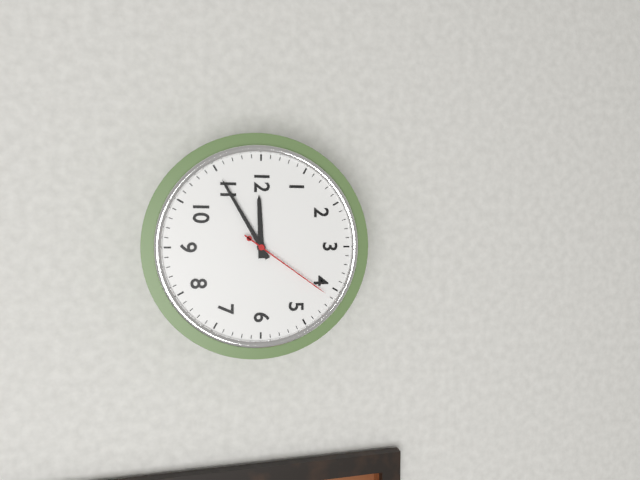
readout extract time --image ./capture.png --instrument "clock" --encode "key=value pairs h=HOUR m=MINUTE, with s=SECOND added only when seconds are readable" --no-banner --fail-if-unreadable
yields h=11 m=55 s=21
